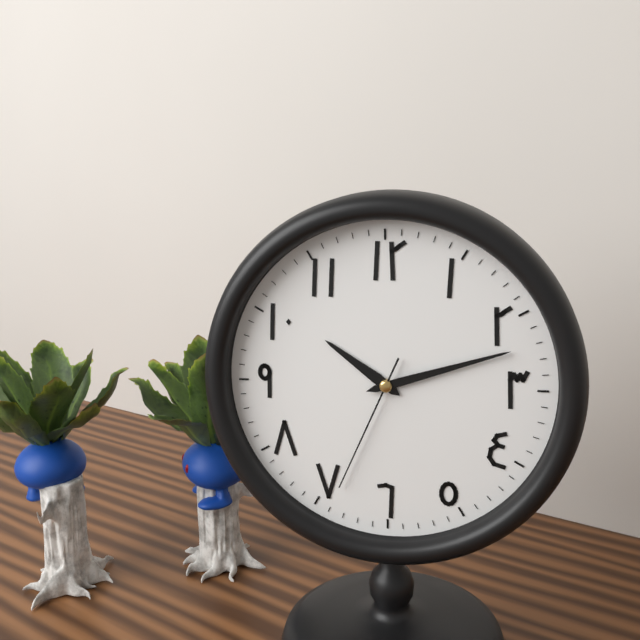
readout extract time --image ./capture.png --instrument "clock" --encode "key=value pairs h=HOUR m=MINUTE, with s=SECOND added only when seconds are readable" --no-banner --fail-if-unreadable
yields h=10 m=12 s=34
